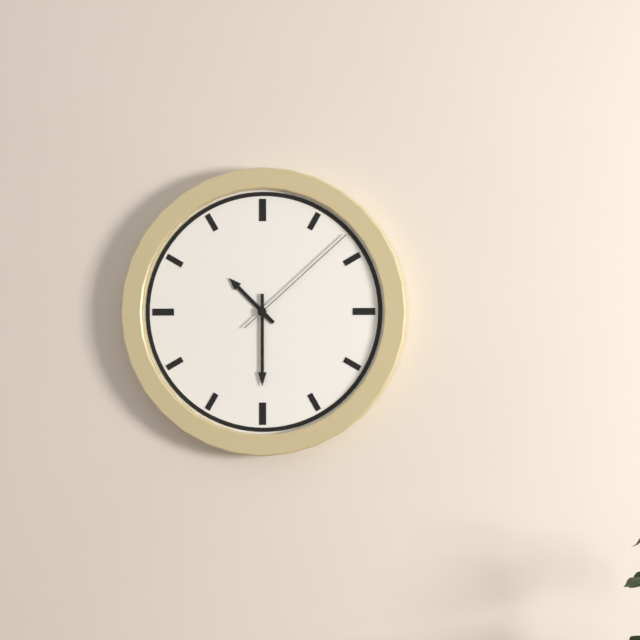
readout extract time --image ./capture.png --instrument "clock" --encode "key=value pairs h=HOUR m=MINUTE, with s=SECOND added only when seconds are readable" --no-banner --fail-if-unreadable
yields h=10 m=30 s=8
